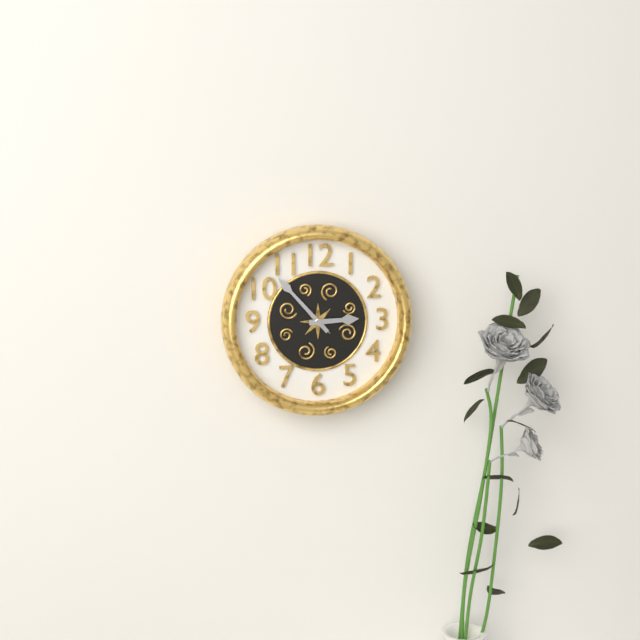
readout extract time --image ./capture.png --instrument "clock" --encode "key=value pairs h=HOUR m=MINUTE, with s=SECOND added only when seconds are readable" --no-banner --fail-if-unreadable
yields h=2 m=53
